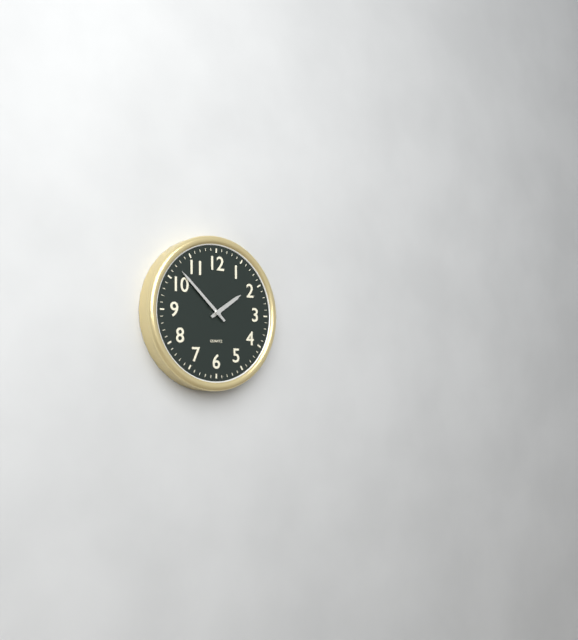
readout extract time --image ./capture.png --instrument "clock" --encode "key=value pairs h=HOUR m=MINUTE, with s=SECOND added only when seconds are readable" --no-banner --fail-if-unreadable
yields h=1 m=52
